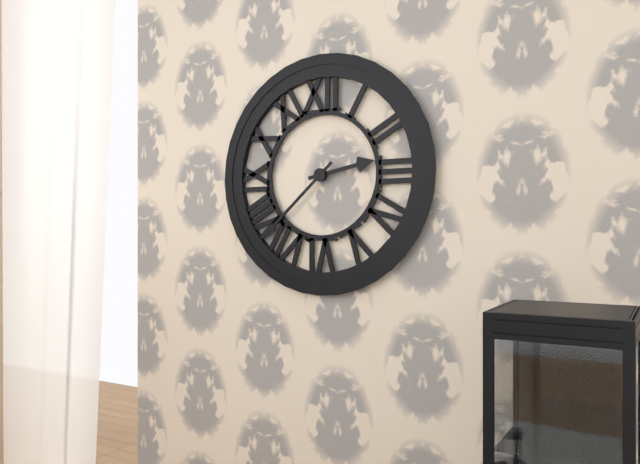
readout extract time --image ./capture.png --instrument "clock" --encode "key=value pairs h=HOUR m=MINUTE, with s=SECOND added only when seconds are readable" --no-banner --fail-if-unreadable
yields h=2 m=38
